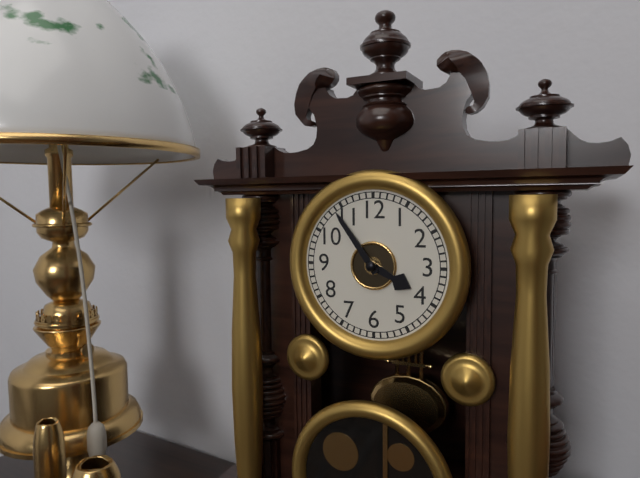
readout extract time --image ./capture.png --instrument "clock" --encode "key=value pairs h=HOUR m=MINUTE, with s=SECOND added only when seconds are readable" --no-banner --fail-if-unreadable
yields h=3 m=54
